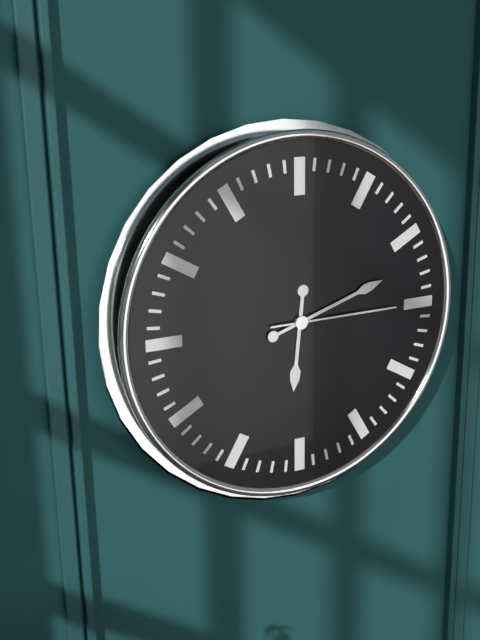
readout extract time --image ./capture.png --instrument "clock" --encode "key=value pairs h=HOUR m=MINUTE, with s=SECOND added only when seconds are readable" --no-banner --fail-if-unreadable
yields h=6 m=12 s=15
